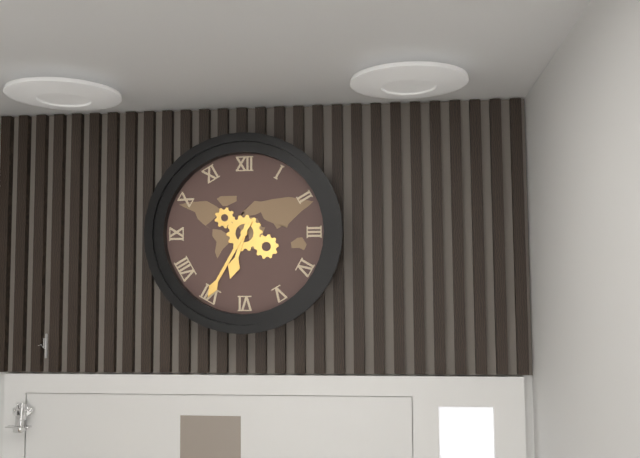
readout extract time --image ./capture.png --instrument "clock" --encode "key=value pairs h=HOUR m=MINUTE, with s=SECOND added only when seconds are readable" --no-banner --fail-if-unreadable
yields h=6 m=35
